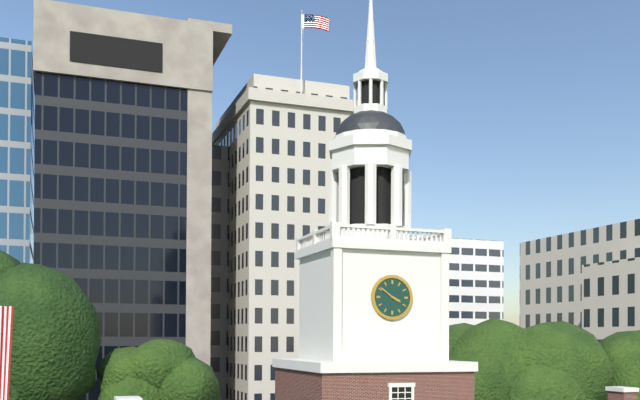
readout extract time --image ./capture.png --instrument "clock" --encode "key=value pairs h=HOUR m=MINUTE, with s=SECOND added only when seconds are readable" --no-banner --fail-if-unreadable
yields h=3 m=51
